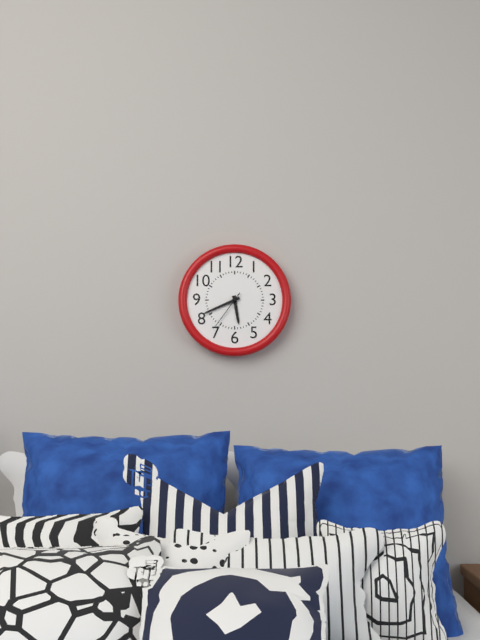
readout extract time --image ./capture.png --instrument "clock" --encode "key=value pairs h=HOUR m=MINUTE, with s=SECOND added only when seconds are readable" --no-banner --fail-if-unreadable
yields h=5 m=41
